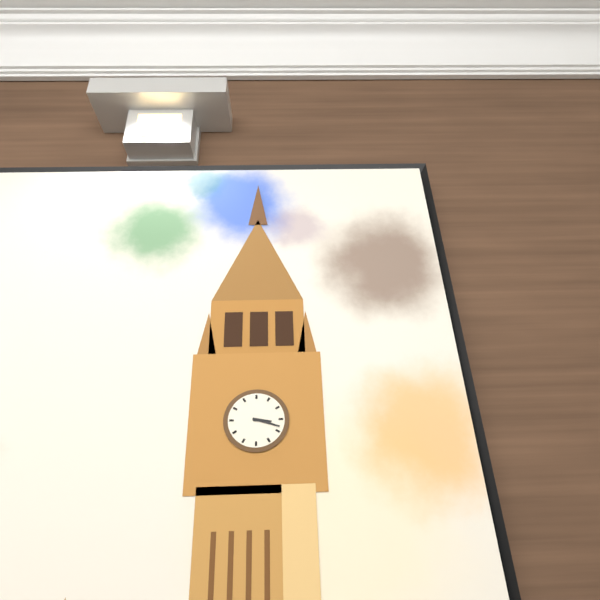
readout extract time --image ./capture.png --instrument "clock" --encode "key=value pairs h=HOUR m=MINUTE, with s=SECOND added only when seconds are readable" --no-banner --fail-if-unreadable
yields h=3 m=18
